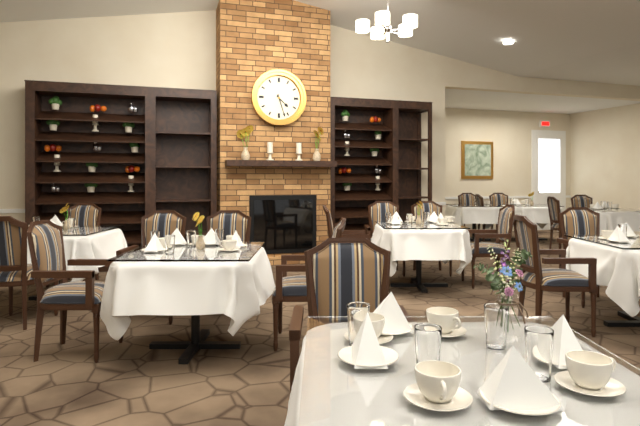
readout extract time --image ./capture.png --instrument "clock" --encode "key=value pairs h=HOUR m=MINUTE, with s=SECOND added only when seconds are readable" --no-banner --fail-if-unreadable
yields h=4 m=27
